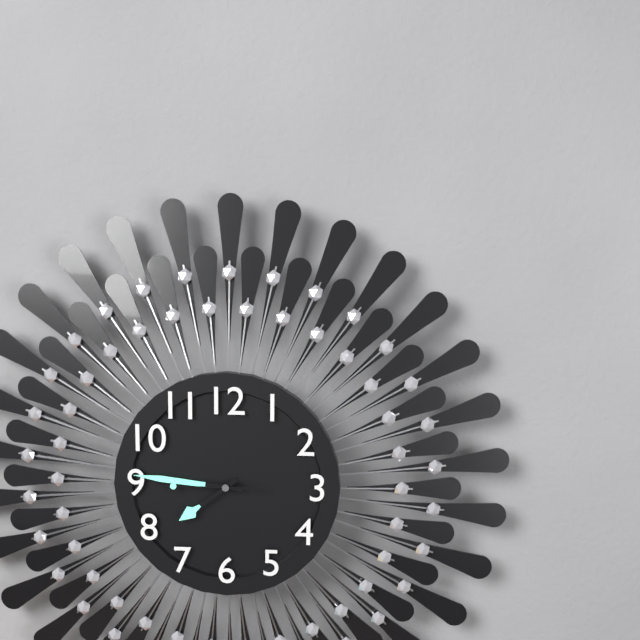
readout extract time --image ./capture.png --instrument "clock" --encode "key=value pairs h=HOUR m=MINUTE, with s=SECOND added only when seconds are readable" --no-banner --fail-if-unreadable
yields h=7 m=46 s=45
